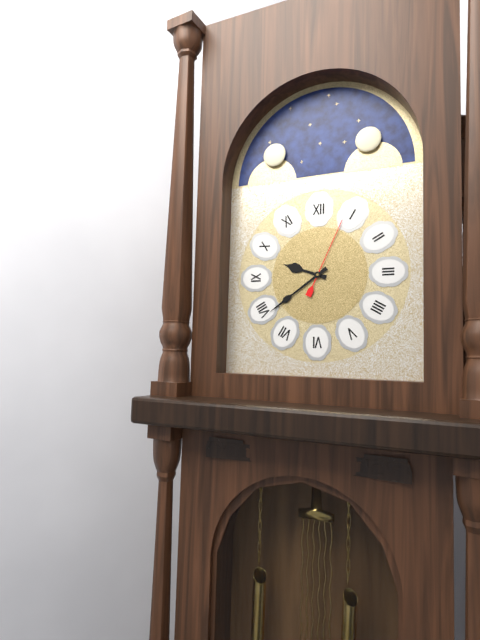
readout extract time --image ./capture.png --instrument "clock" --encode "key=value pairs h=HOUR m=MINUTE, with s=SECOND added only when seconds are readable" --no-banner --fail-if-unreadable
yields h=9 m=39 s=4
